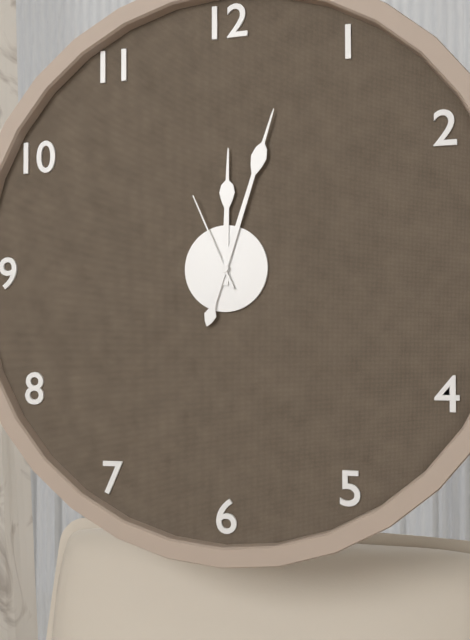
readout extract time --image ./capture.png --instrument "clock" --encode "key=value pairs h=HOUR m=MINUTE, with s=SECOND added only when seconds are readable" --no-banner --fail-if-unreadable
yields h=12 m=3 s=56
